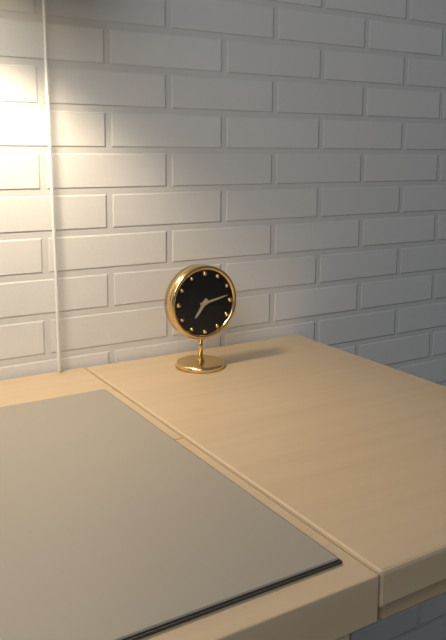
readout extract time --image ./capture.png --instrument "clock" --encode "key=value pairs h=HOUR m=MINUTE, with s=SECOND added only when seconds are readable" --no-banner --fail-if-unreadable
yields h=7 m=13
